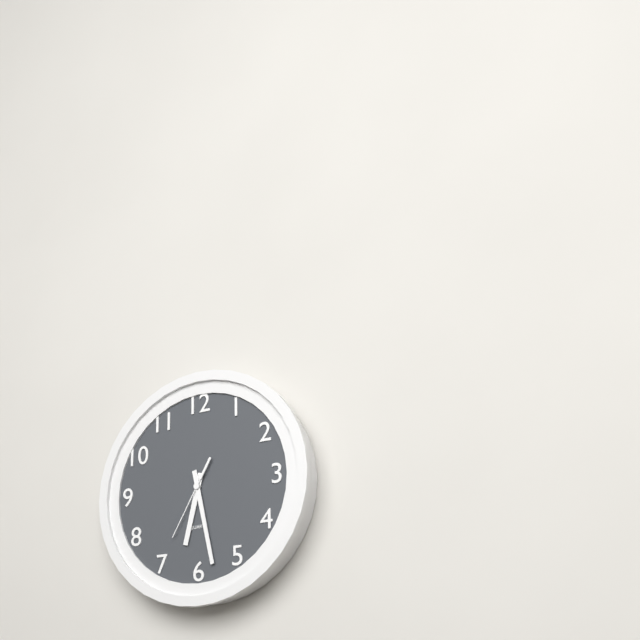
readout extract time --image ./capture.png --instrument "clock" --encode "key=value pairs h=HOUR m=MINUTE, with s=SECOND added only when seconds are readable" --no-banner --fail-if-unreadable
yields h=6 m=28 s=35
